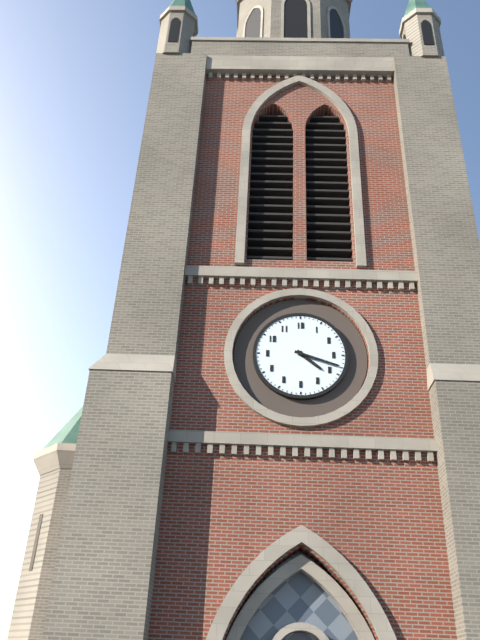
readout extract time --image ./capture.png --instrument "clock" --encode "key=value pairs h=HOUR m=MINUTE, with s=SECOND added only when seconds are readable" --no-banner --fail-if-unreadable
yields h=4 m=18
